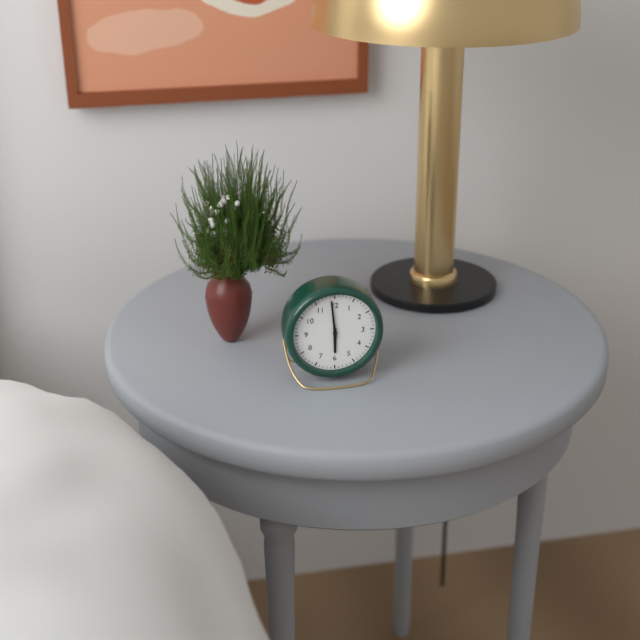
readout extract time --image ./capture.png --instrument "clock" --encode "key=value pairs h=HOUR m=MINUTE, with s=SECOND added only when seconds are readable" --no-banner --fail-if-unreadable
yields h=5 m=59
